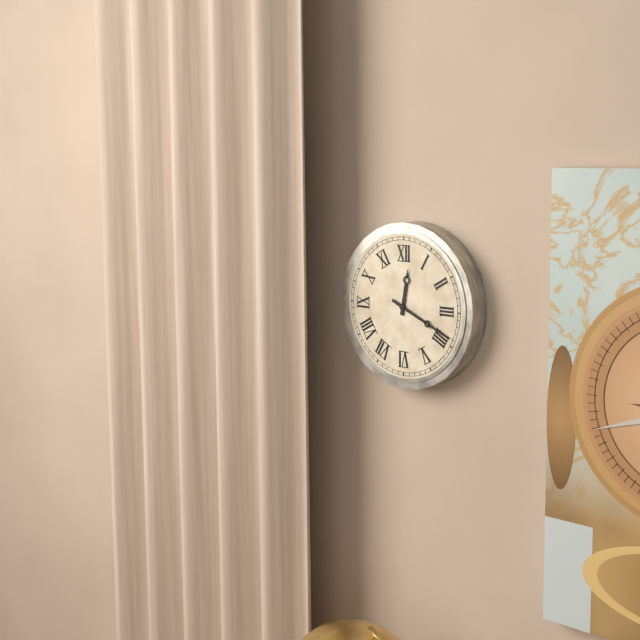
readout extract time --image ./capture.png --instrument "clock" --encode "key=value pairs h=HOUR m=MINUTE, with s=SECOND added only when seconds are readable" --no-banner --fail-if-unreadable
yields h=12 m=19
